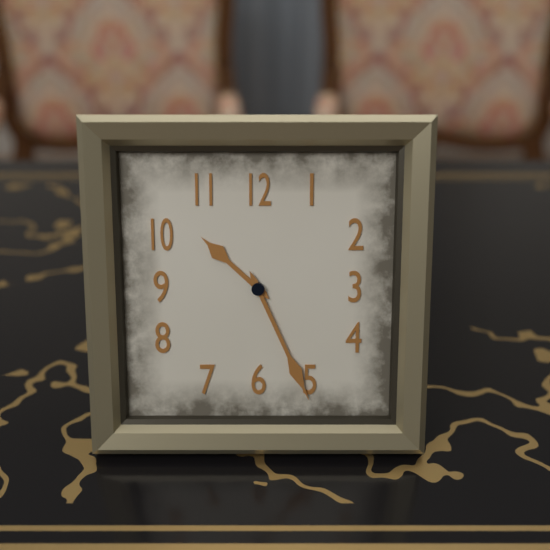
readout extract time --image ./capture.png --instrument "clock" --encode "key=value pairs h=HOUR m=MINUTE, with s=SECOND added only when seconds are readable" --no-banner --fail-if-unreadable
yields h=10 m=26
